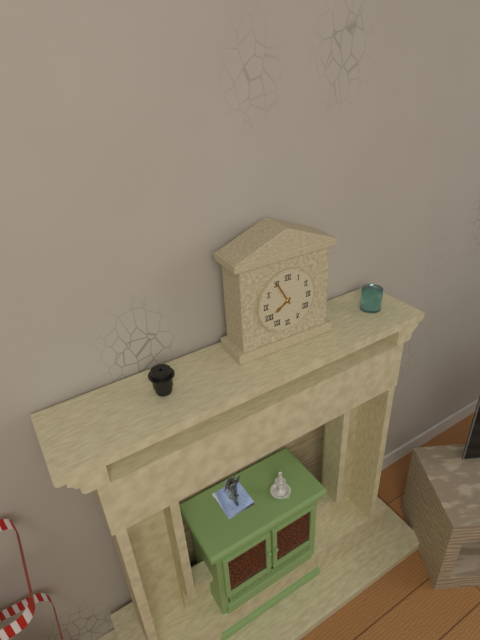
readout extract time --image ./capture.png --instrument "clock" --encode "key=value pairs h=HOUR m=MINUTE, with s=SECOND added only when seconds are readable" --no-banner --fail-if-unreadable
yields h=7 m=55
